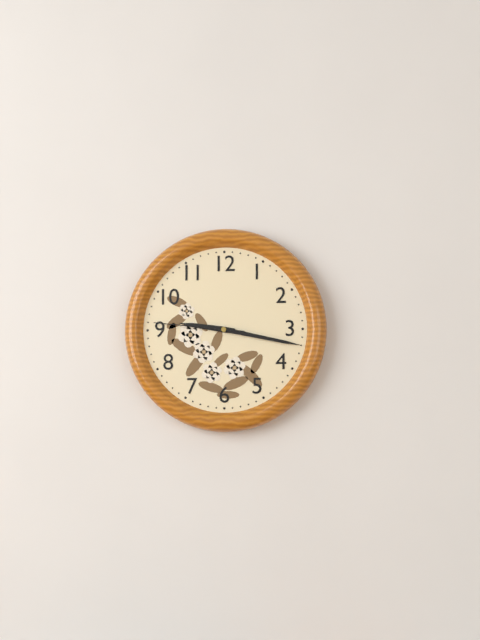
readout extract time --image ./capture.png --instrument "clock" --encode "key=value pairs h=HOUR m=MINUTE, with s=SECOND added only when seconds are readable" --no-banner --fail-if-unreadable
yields h=9 m=17 s=46
